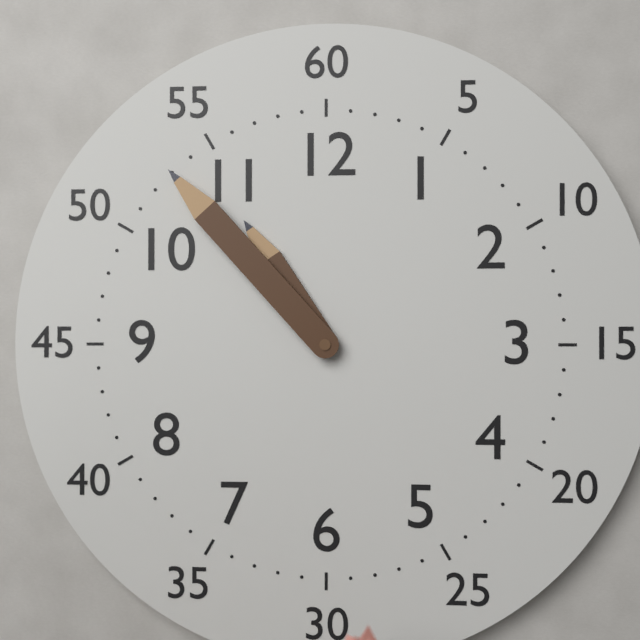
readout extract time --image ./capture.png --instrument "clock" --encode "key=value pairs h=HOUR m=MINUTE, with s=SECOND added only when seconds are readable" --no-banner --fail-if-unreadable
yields h=10 m=53
